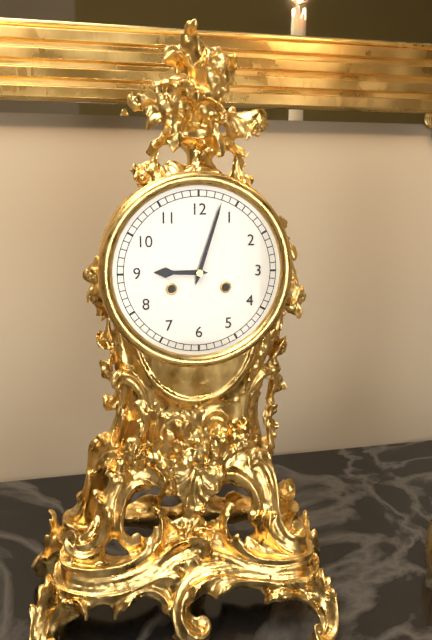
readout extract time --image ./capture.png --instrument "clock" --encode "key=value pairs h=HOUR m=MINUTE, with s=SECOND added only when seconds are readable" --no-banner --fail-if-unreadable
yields h=9 m=3
